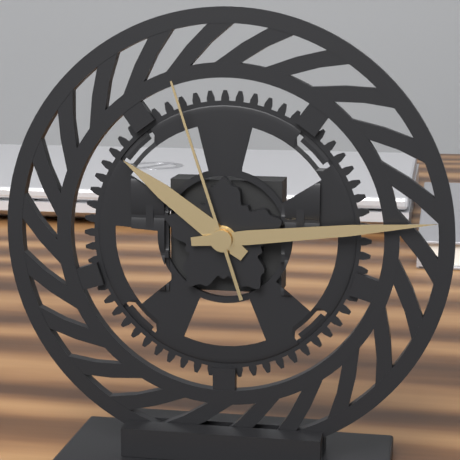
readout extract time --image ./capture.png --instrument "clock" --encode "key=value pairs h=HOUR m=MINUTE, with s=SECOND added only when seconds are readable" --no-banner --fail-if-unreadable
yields h=10 m=14 s=57
